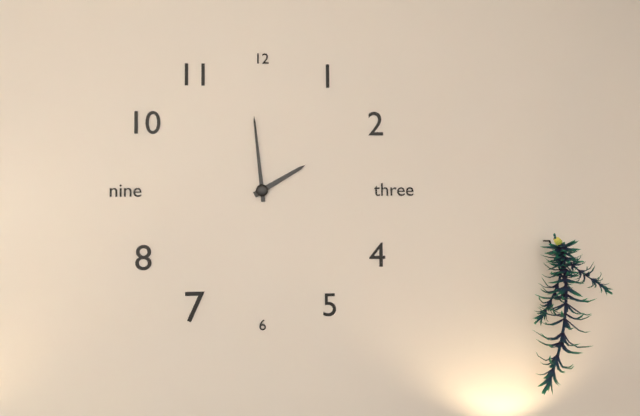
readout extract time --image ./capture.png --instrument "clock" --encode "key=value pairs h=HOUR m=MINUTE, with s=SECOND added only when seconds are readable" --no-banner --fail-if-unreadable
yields h=1 m=59
